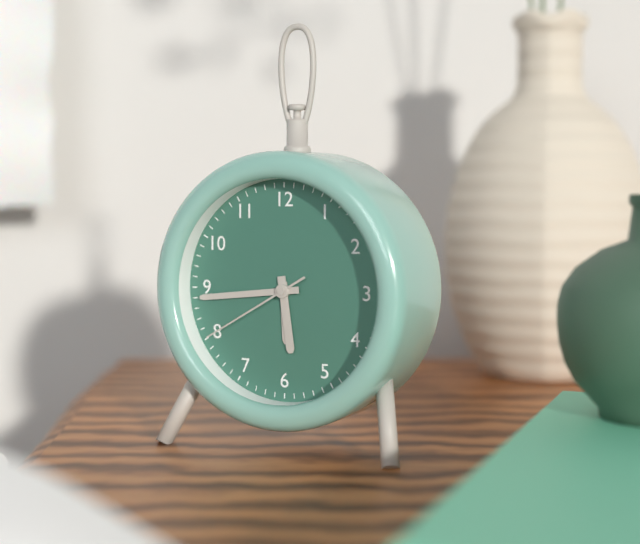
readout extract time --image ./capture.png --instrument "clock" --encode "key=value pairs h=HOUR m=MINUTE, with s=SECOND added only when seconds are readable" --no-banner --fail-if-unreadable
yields h=5 m=44 s=40
